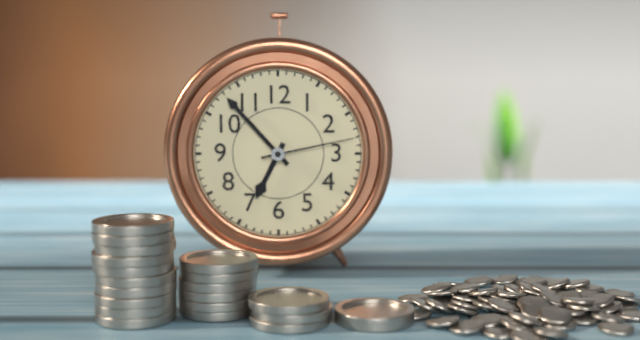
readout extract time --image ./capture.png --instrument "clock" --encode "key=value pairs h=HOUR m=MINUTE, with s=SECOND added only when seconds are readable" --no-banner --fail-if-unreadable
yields h=6 m=53 s=13
